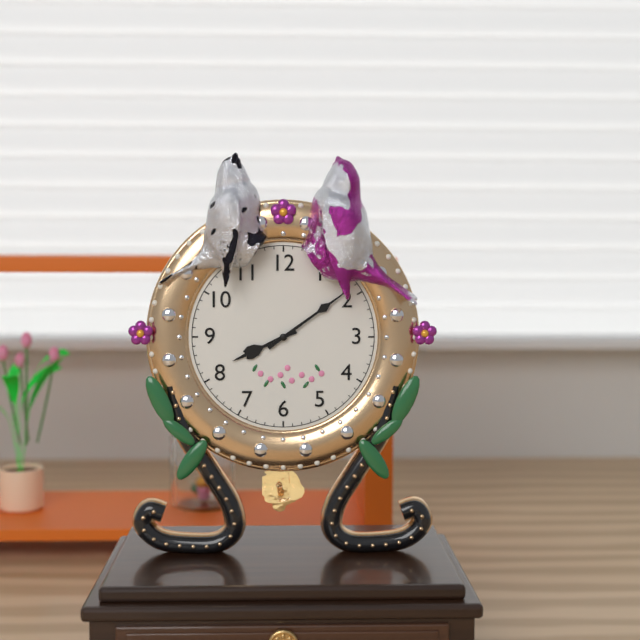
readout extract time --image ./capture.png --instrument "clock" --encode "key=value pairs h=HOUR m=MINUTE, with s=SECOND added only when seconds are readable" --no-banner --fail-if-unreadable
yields h=8 m=9
